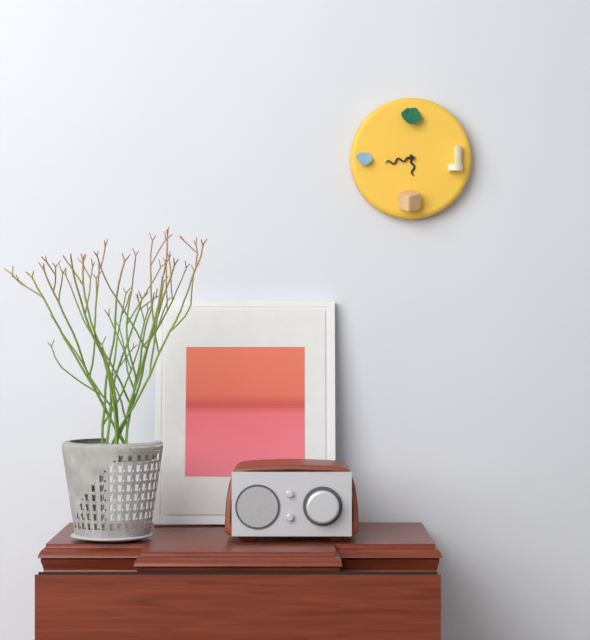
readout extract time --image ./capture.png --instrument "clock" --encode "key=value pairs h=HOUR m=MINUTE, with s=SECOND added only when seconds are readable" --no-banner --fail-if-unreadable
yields h=5 m=43
